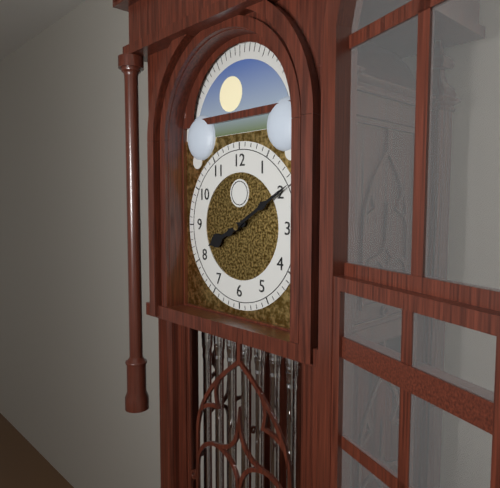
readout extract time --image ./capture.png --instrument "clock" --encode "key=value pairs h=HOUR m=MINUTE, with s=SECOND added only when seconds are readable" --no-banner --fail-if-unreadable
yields h=8 m=10
